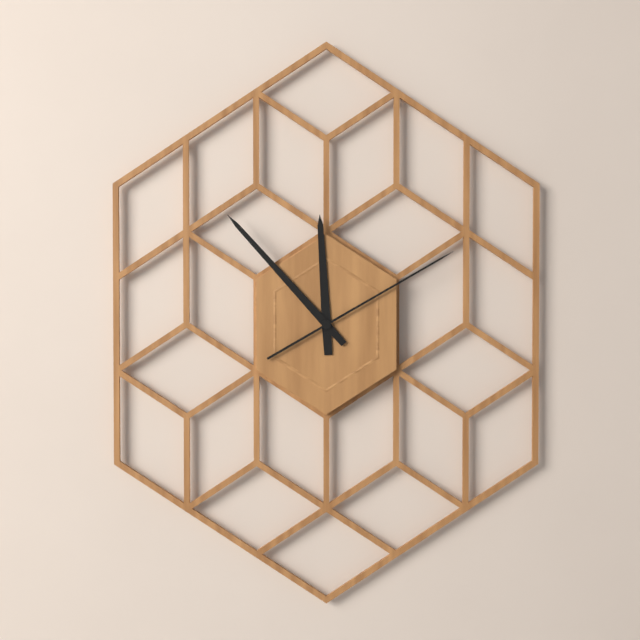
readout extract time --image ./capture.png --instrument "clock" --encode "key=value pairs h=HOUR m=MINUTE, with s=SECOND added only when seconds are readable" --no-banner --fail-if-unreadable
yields h=11 m=53 s=10
